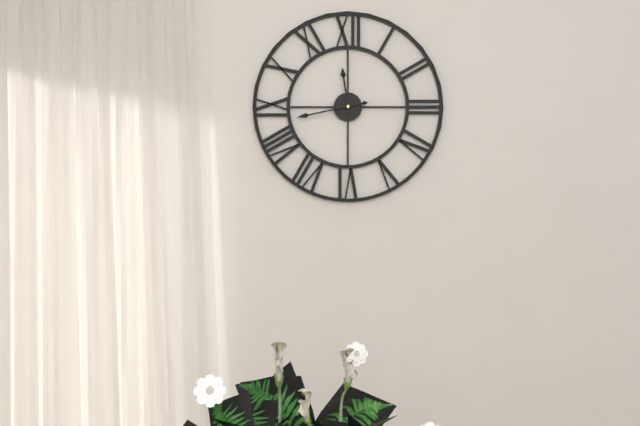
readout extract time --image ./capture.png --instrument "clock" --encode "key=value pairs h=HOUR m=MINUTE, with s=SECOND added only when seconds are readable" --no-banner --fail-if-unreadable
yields h=11 m=43
